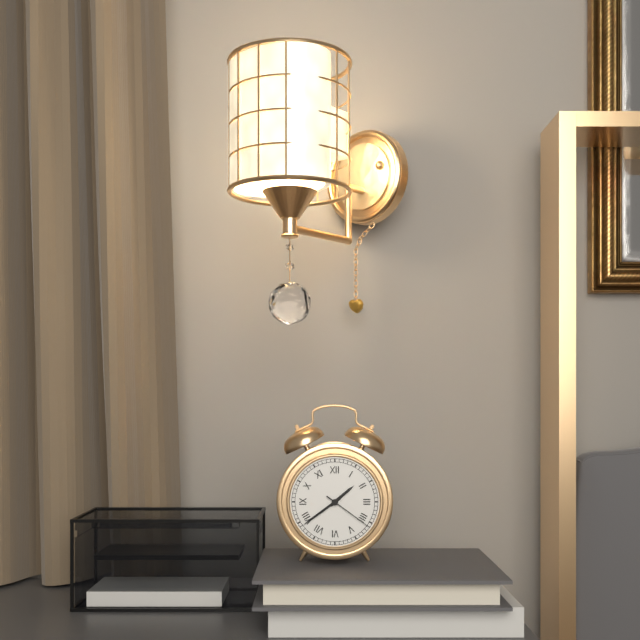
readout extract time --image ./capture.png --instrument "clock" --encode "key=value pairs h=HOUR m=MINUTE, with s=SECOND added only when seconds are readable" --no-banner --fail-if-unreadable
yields h=1 m=39 s=21
